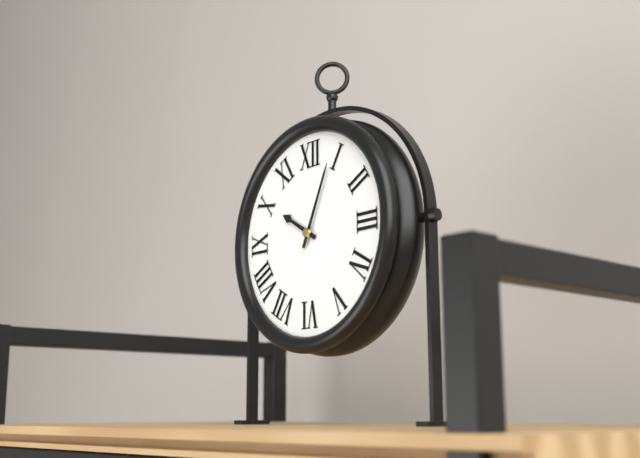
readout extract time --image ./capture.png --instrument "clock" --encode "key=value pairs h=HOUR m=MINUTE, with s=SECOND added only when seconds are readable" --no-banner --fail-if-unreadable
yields h=10 m=4
